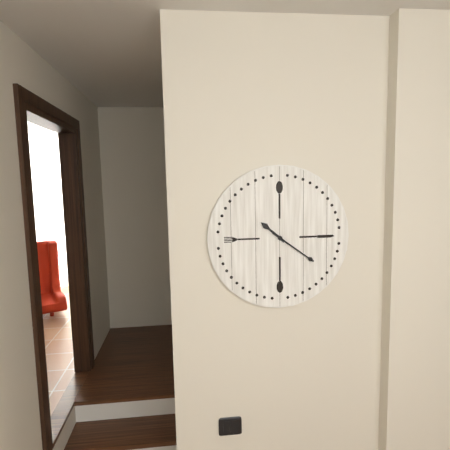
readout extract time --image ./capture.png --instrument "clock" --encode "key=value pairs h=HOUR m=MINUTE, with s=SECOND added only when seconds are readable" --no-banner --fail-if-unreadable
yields h=10 m=21
